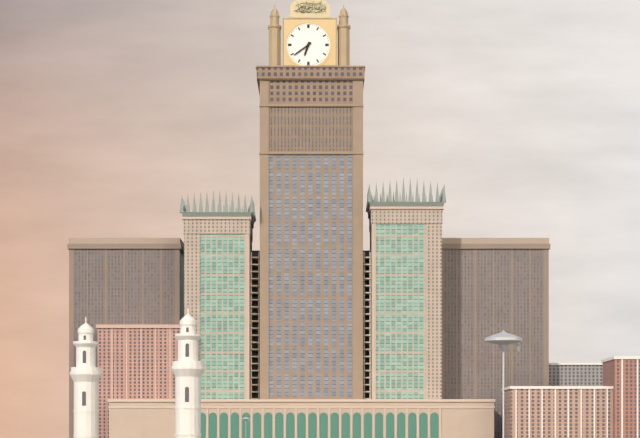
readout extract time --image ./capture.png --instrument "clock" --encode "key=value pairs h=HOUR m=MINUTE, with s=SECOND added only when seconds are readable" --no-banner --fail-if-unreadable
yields h=6 m=39
